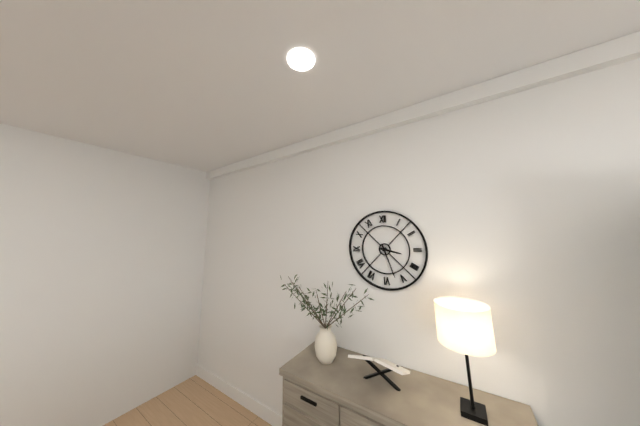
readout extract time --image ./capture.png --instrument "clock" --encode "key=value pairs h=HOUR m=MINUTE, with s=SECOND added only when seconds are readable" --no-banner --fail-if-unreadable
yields h=3 m=27
